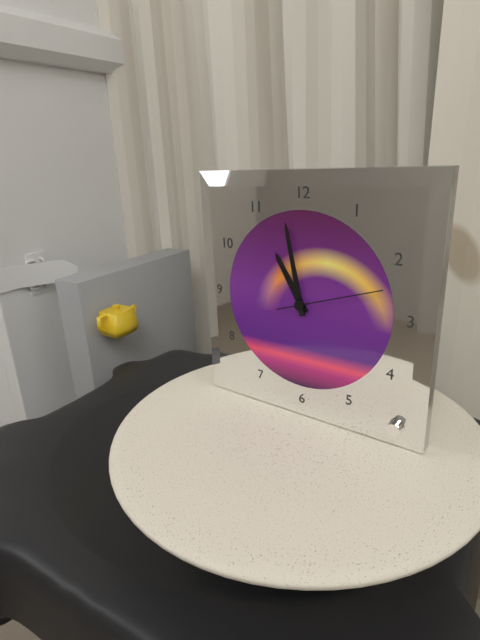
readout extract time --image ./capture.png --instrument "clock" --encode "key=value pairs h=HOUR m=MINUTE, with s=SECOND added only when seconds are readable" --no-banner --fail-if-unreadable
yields h=10 m=58 s=12
